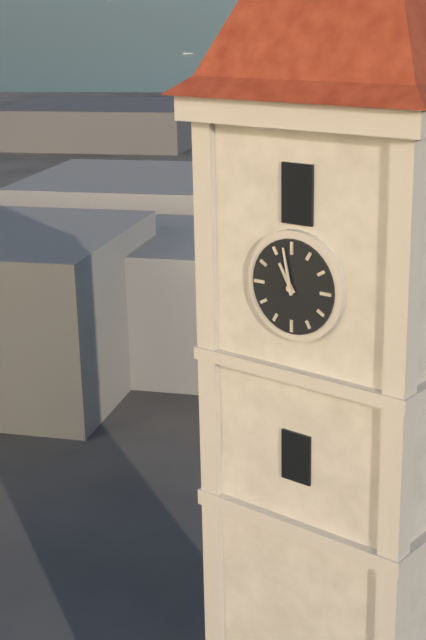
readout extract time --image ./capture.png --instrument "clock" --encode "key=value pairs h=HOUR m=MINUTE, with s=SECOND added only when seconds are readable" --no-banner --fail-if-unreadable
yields h=10 m=58
